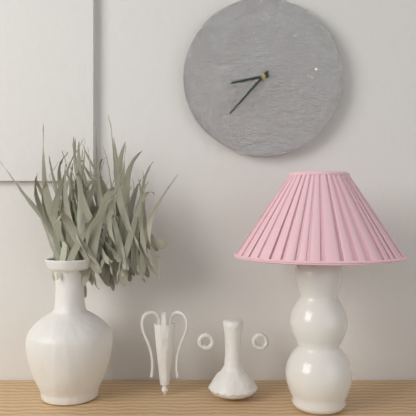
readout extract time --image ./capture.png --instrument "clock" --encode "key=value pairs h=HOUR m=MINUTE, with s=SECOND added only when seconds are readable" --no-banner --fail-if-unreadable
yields h=8 m=37
